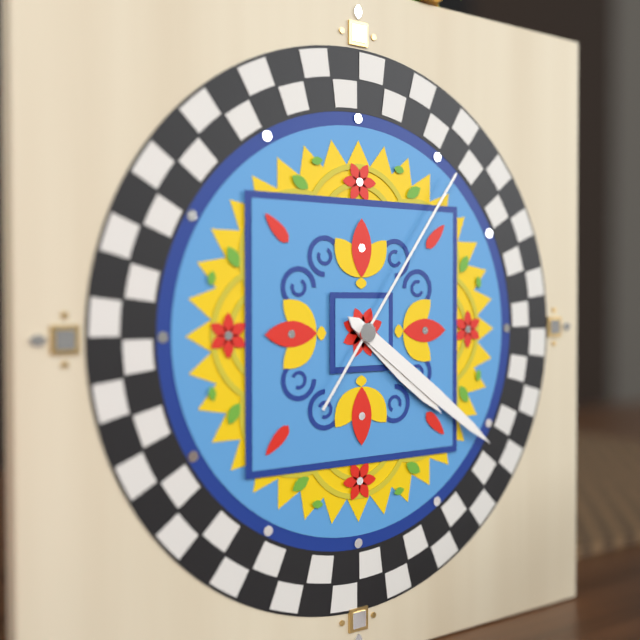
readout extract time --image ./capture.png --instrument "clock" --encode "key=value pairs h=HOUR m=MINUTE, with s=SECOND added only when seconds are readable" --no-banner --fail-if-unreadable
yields h=4 m=21 s=6
